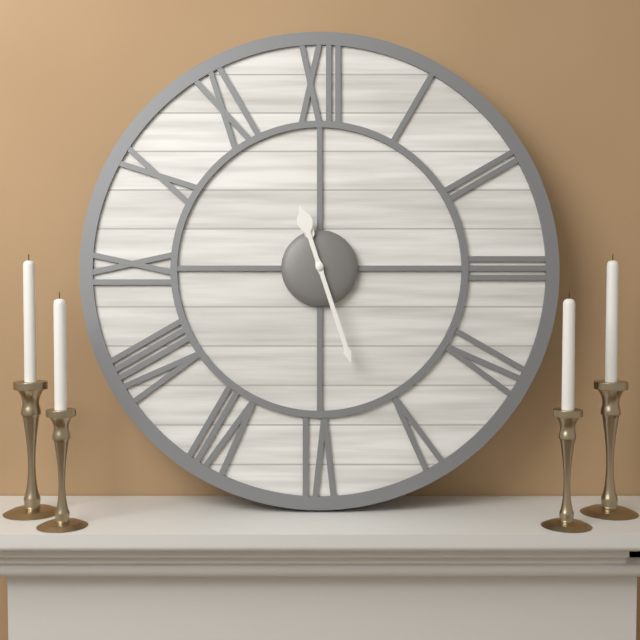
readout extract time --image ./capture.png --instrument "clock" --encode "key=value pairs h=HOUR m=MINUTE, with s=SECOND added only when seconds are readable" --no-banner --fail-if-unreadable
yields h=11 m=27
